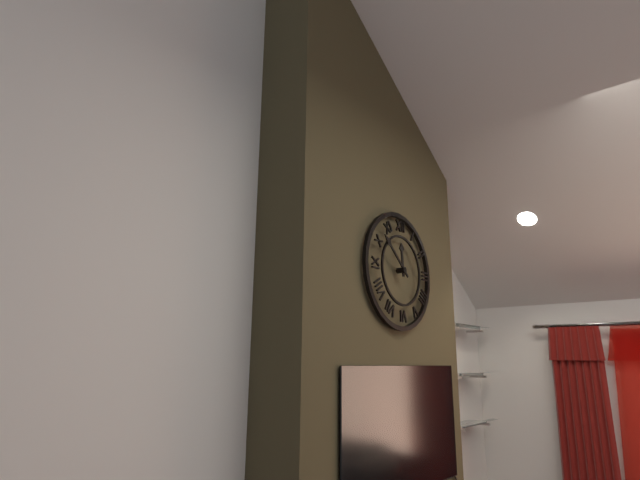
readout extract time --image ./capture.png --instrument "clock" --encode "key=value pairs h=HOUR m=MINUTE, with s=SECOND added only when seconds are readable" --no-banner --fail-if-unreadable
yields h=11 m=52
